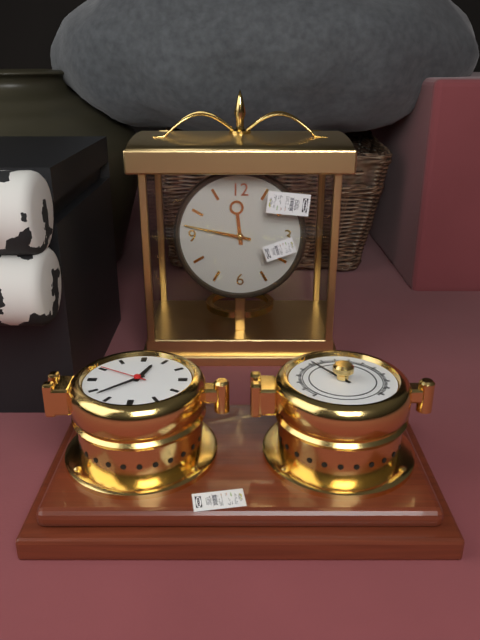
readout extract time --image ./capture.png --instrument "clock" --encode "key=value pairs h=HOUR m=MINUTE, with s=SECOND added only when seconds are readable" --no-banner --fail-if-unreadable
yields h=11 m=47
